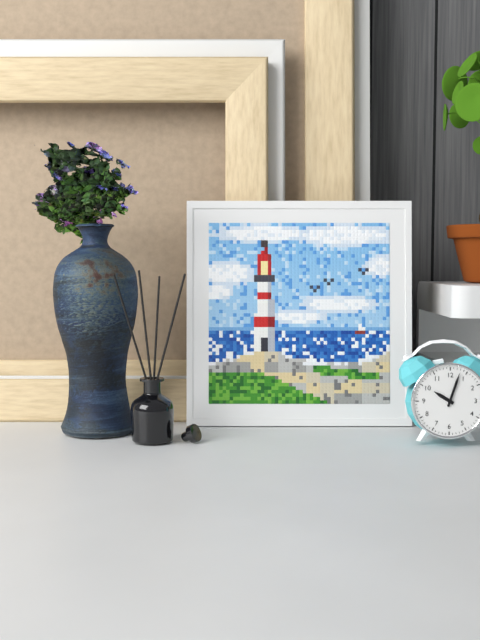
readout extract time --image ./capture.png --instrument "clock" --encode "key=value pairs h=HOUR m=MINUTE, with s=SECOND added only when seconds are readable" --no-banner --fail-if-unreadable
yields h=10 m=3
